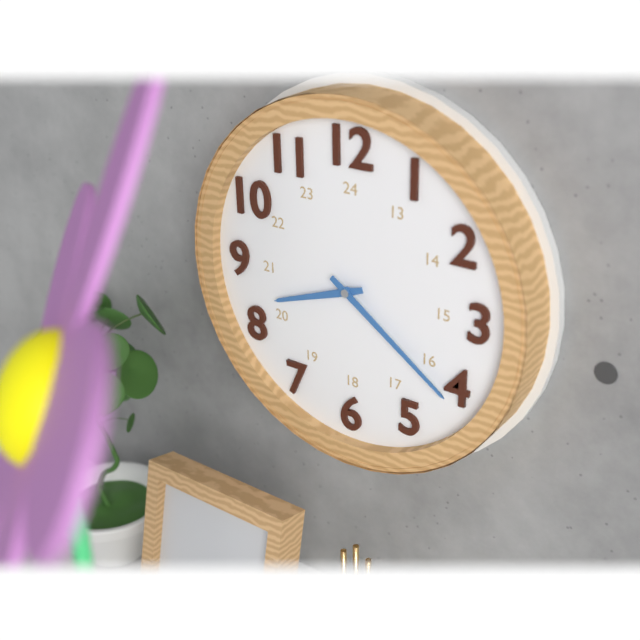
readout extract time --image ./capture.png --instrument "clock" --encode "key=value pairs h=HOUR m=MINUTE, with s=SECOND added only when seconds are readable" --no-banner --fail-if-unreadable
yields h=8 m=21
